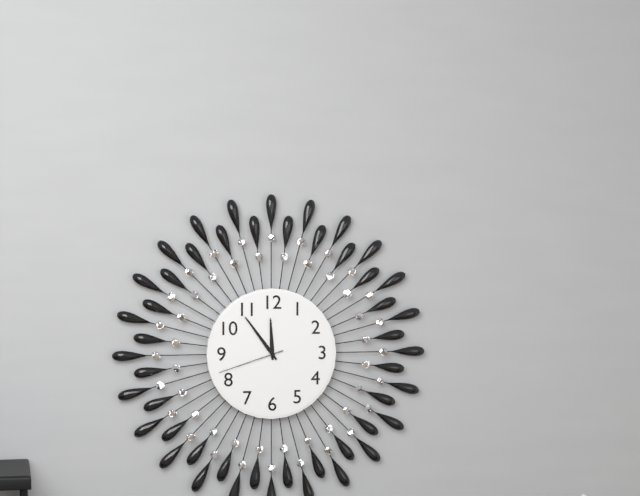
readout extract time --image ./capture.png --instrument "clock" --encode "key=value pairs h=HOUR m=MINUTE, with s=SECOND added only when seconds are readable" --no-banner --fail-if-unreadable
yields h=11 m=54 s=42
